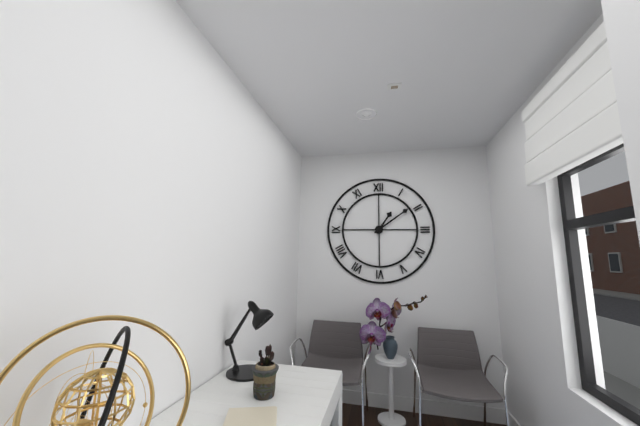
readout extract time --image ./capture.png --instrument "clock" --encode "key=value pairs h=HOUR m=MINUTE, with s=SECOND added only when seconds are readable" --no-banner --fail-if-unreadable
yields h=1 m=9
